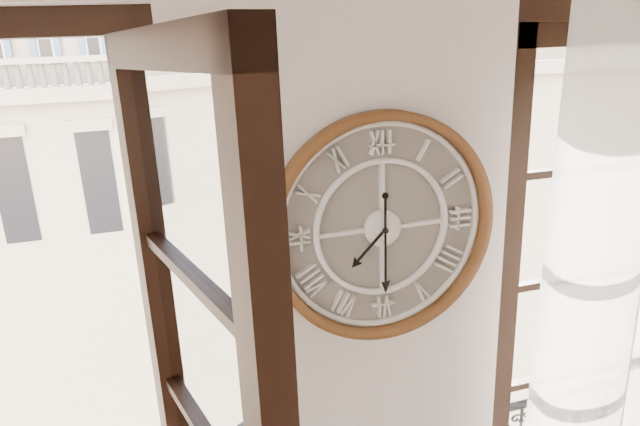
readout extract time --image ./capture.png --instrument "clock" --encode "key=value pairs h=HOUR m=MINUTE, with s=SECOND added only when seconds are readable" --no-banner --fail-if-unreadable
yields h=7 m=30
